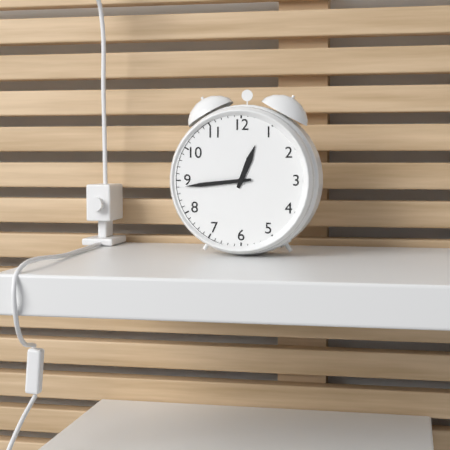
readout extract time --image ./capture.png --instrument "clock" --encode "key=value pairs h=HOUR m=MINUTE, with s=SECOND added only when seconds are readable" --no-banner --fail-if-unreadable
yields h=12 m=44
